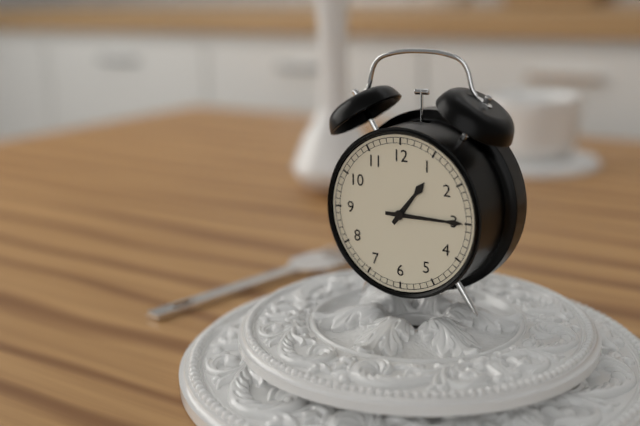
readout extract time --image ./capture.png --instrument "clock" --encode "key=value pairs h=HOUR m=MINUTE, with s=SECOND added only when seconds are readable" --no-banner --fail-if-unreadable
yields h=1 m=15
